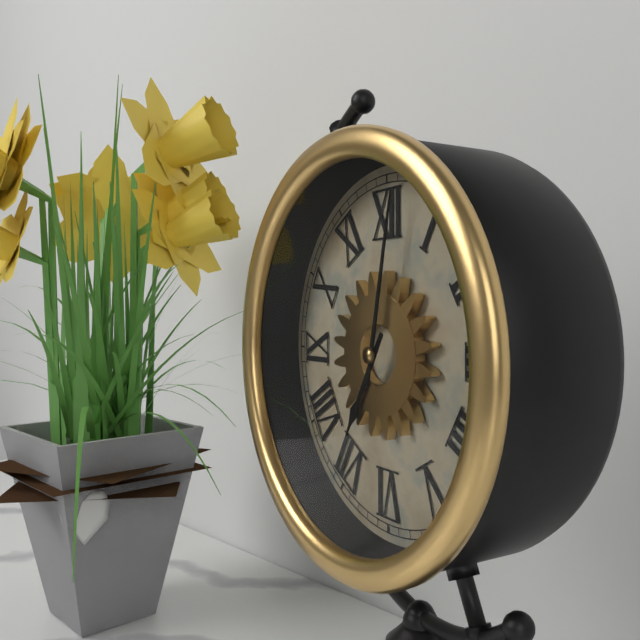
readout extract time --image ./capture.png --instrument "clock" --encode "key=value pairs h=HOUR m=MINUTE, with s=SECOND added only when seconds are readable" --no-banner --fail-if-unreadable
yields h=7 m=2
